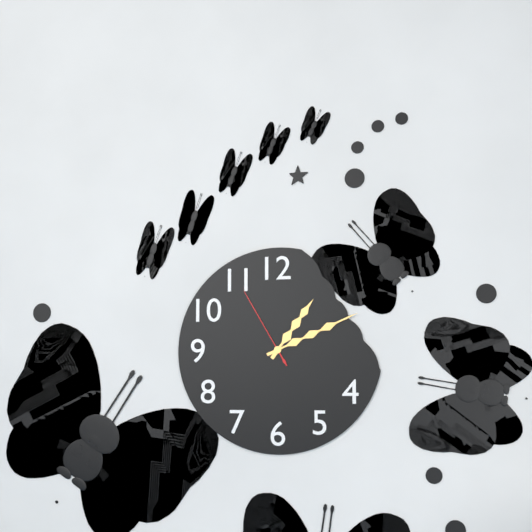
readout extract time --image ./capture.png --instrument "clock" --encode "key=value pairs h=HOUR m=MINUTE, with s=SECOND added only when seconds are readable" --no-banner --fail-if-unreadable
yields h=1 m=11 s=55
